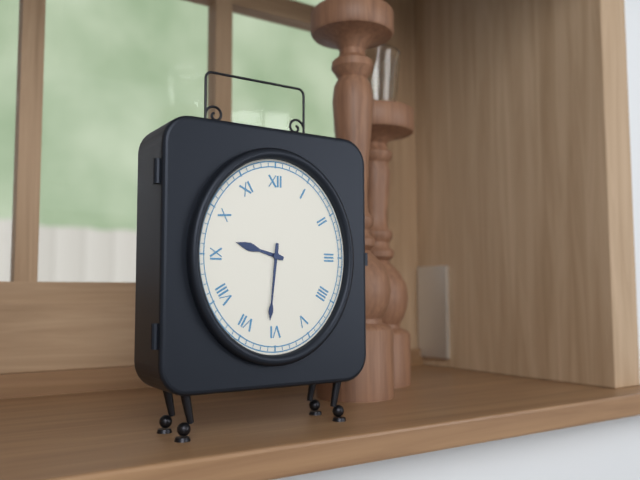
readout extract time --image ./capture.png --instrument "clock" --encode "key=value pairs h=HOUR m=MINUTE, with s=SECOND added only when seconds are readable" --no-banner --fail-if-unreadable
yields h=9 m=31
